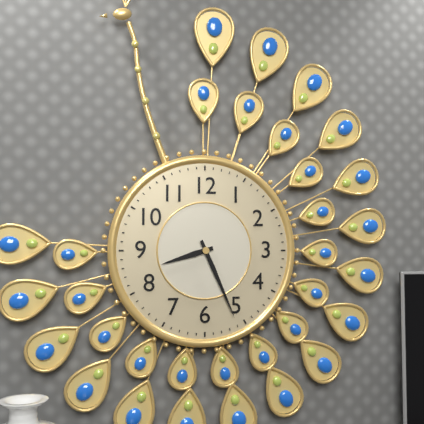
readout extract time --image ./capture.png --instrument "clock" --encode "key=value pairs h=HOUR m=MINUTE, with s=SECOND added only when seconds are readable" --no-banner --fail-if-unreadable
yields h=8 m=26
